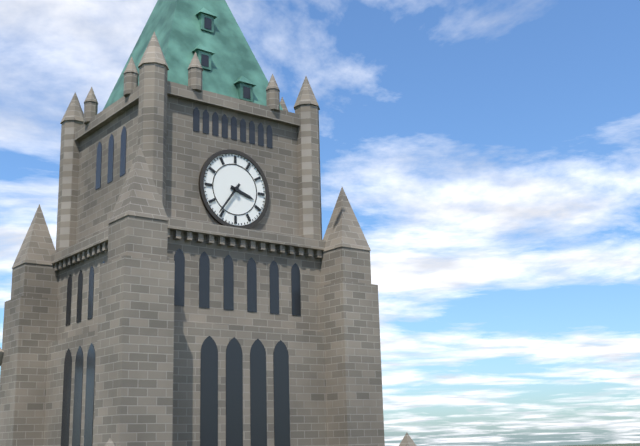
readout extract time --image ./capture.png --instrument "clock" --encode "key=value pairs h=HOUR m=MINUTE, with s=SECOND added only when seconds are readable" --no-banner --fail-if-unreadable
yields h=3 m=36
